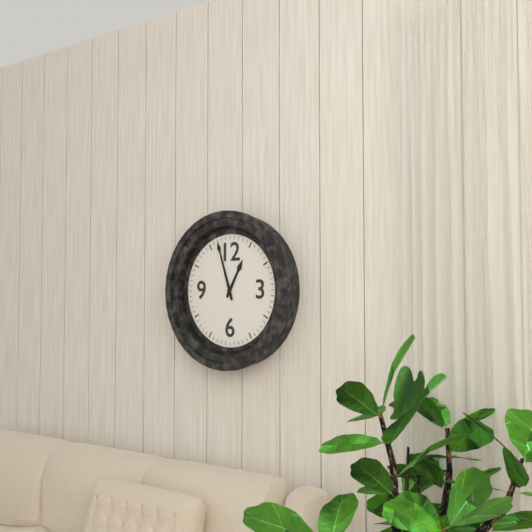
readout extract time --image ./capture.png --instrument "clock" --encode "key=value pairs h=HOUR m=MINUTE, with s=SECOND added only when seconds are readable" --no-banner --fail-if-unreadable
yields h=12 m=57
